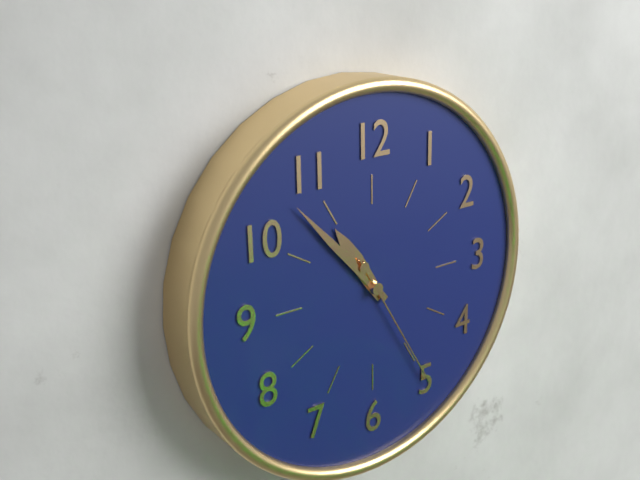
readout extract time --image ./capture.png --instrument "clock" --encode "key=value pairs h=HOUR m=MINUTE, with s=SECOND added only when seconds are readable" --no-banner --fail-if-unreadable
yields h=10 m=53 s=25
